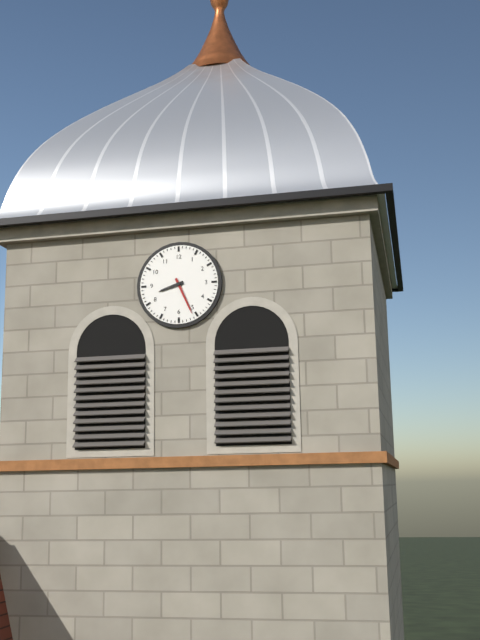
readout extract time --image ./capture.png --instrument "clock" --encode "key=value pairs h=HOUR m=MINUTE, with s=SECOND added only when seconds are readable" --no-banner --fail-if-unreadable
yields h=8 m=26
